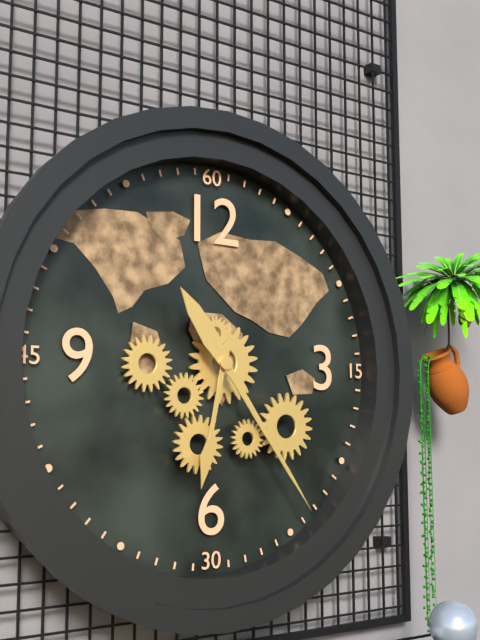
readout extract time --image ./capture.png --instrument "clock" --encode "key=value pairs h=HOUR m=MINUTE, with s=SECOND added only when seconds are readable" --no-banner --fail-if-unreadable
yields h=6 m=24
